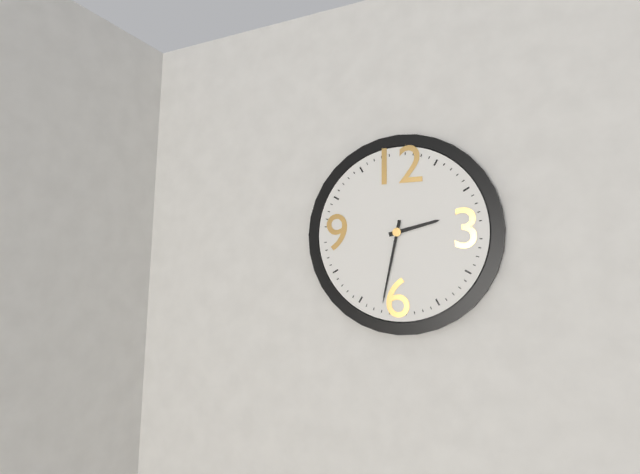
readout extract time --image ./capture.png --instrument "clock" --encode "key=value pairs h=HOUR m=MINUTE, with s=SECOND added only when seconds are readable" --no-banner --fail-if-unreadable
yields h=2 m=32
